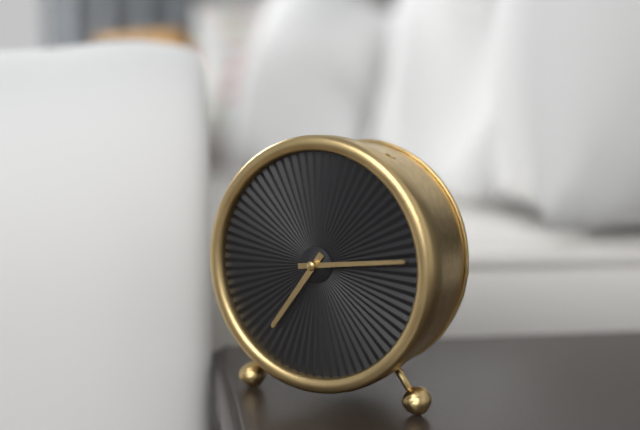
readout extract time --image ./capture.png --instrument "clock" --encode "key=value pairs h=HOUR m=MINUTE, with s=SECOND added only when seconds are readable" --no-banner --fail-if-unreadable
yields h=7 m=14
